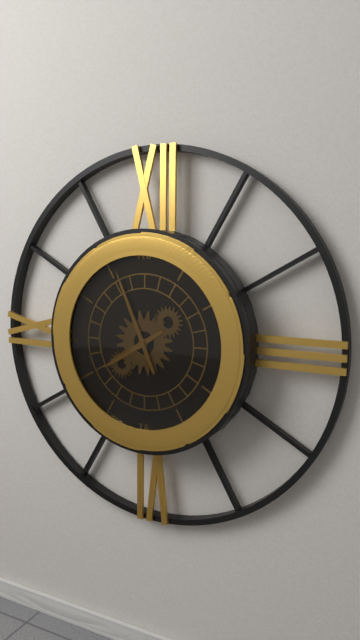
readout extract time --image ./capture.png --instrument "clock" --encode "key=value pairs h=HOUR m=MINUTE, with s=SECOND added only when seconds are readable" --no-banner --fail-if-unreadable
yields h=7 m=56
